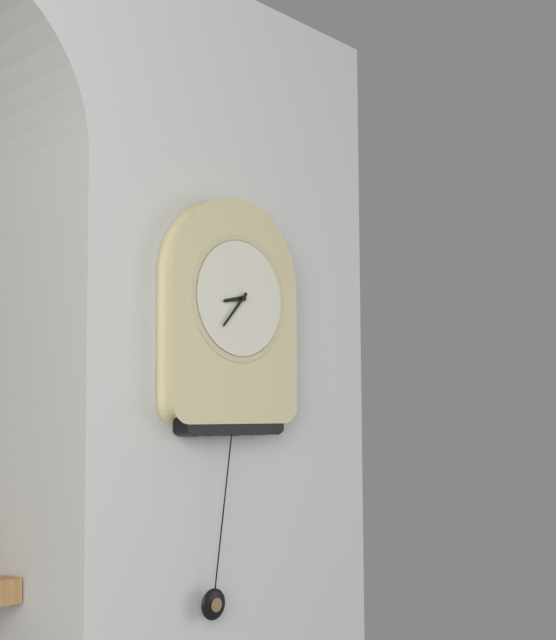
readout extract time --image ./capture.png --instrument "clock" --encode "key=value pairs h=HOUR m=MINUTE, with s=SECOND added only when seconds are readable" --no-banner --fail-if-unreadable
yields h=8 m=37
